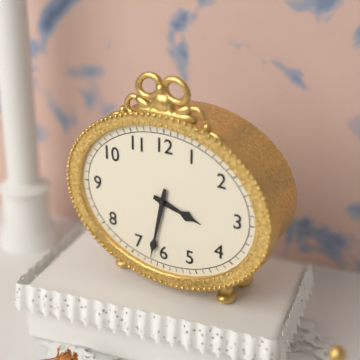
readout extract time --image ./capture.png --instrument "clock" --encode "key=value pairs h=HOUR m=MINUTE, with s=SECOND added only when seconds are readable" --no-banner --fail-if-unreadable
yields h=3 m=32
